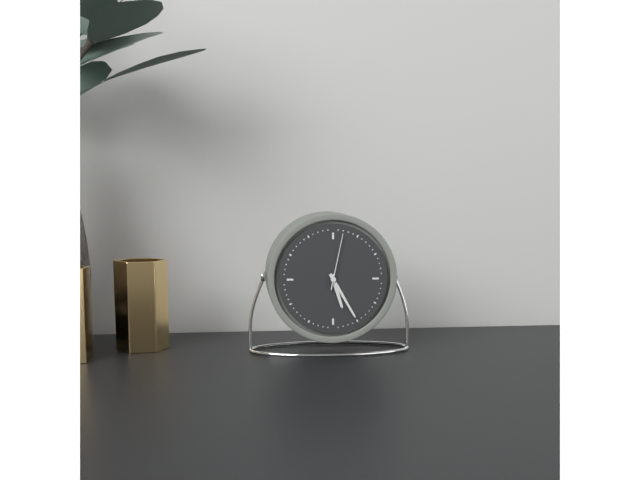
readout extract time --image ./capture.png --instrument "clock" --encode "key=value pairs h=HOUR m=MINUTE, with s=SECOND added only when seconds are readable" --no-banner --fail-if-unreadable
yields h=5 m=25 s=2
